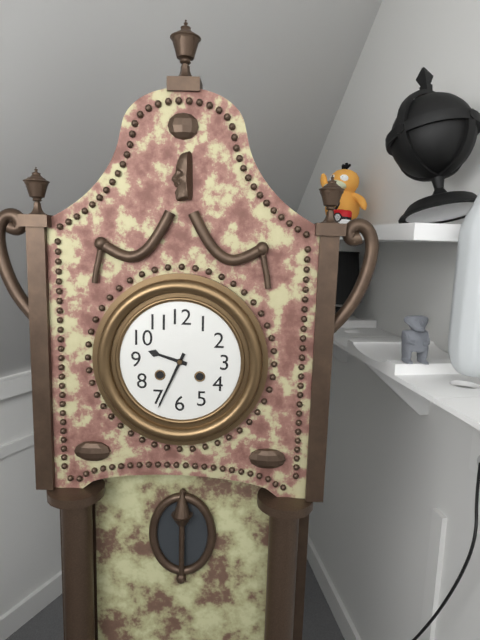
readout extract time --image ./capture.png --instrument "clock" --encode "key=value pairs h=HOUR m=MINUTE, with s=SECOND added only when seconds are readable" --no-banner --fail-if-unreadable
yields h=9 m=34
